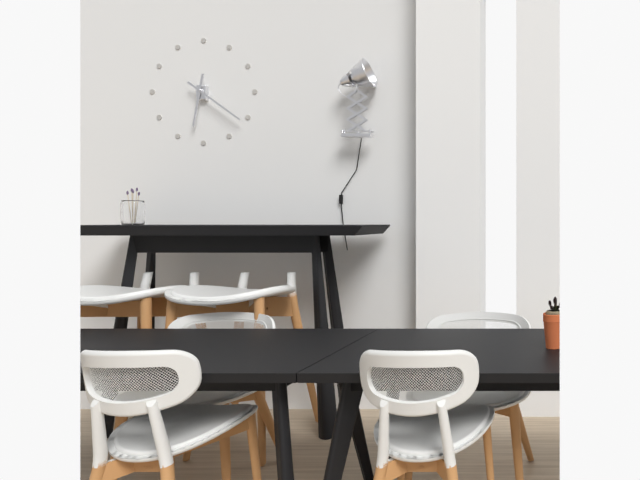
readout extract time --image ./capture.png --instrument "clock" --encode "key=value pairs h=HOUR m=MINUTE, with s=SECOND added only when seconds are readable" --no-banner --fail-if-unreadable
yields h=6 m=21
